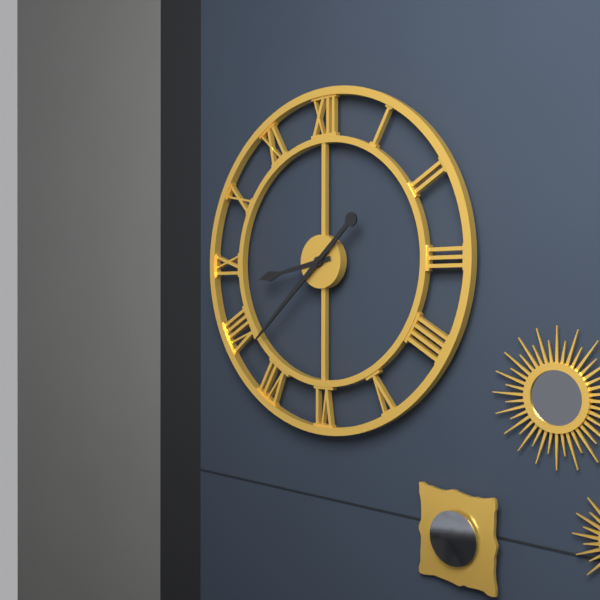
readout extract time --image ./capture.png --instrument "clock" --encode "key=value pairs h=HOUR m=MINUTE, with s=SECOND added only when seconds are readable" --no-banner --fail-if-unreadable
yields h=8 m=38
